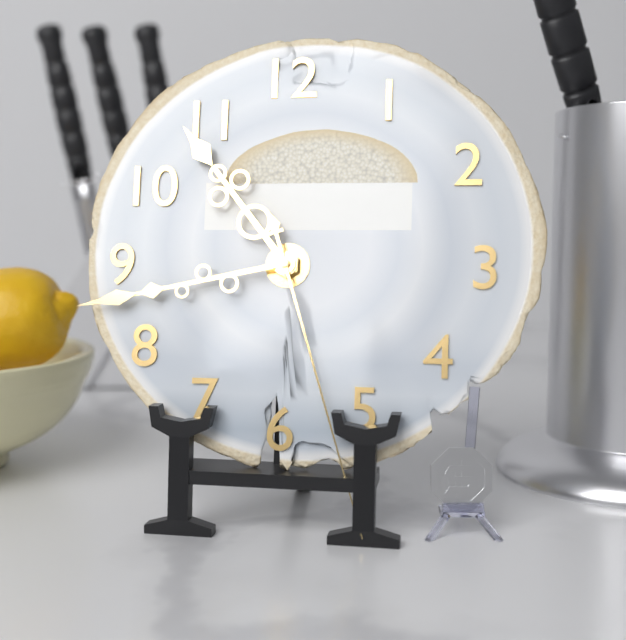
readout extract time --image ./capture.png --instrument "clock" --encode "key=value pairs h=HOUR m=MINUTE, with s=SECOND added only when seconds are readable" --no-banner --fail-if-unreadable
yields h=10 m=43 s=27
